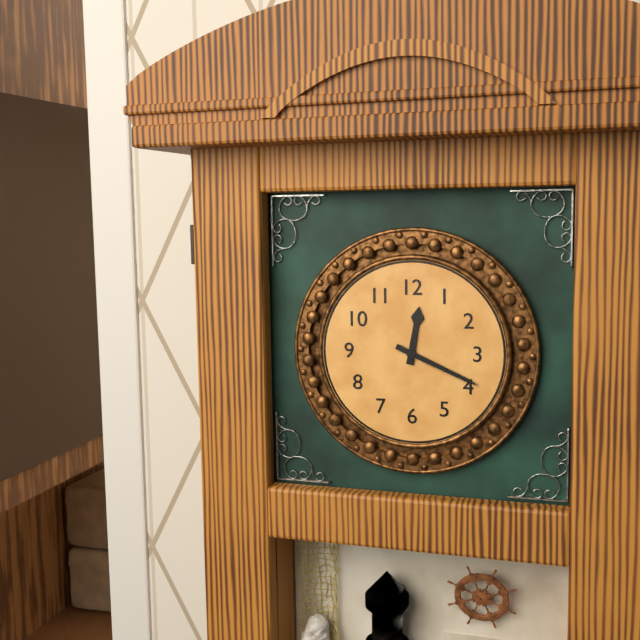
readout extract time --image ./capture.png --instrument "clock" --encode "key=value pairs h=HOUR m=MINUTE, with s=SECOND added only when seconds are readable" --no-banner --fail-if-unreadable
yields h=12 m=19
